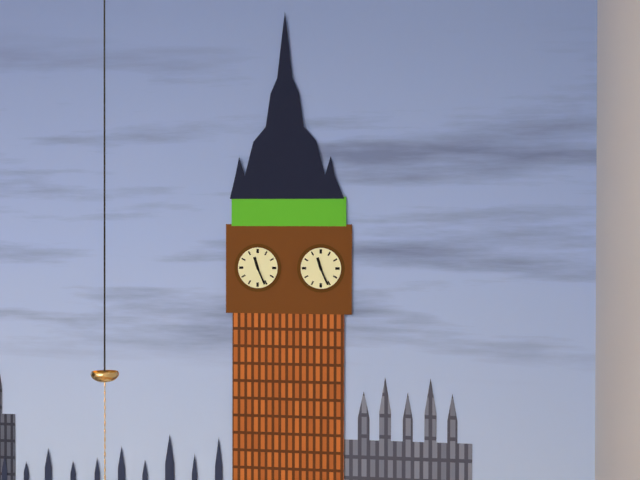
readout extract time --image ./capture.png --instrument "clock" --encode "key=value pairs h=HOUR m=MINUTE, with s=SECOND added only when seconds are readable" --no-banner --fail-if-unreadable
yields h=11 m=26
